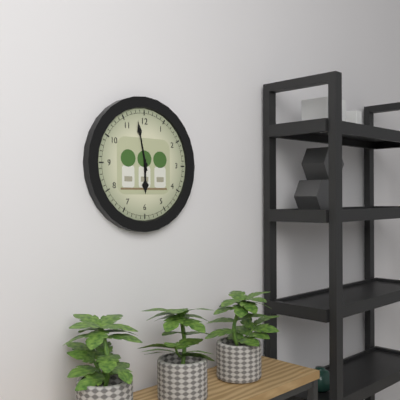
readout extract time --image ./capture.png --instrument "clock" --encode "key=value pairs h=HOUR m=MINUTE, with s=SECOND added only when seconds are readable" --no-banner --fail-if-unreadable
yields h=5 m=58
